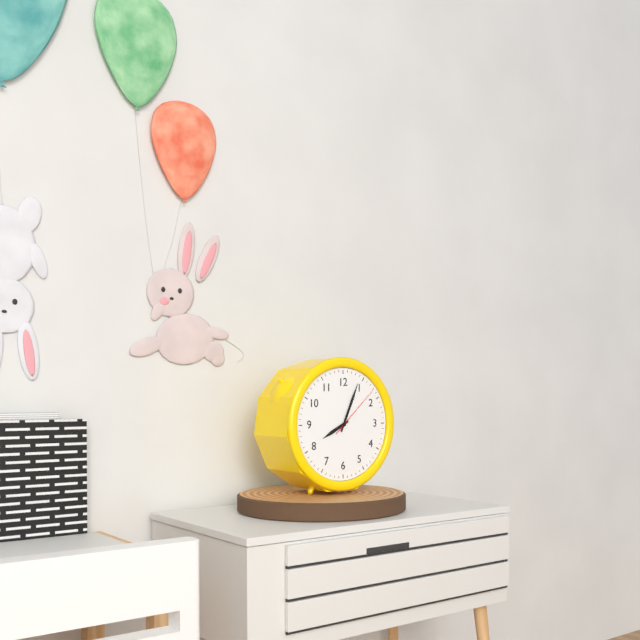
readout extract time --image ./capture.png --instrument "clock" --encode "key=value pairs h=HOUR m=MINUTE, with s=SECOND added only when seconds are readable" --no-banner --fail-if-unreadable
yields h=8 m=4 s=8
